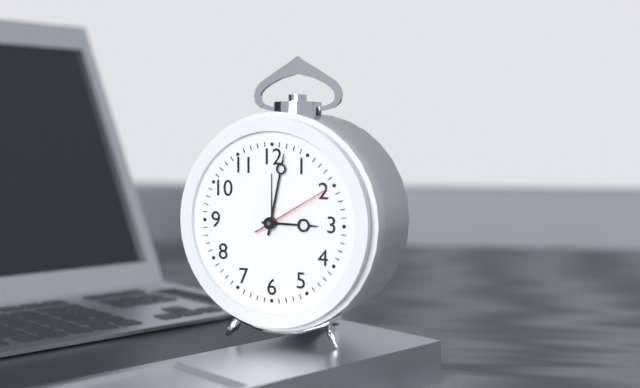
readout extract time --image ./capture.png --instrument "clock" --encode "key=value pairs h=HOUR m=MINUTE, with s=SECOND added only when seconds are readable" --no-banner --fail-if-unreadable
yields h=3 m=2 s=10
